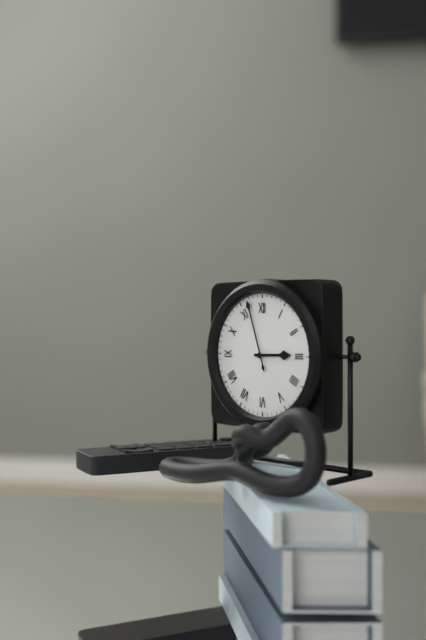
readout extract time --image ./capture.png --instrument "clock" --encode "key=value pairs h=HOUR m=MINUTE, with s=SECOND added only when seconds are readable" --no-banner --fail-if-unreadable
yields h=2 m=57
